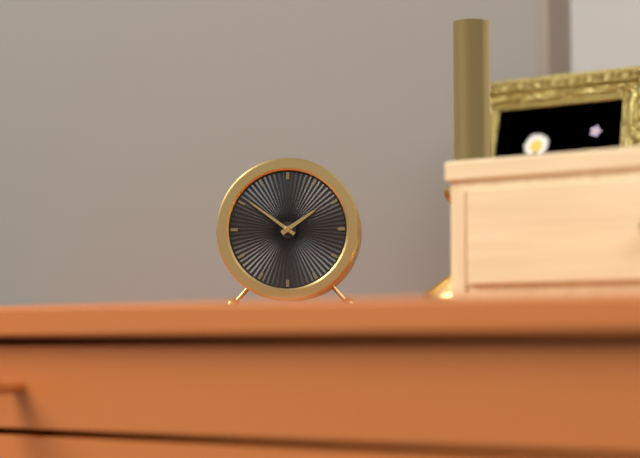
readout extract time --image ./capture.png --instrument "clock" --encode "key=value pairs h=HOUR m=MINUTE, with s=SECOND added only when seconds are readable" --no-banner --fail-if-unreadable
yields h=1 m=51
